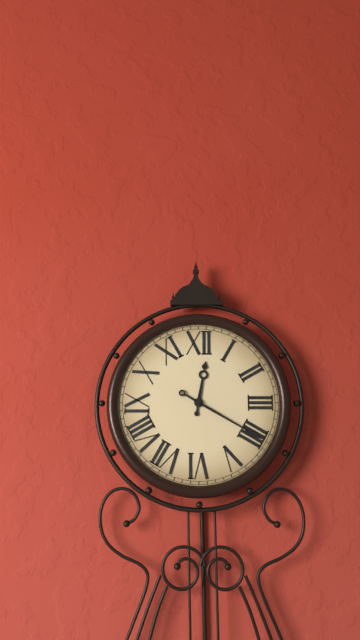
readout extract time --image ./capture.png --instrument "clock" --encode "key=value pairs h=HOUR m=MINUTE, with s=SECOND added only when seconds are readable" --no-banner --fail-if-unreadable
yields h=12 m=20
